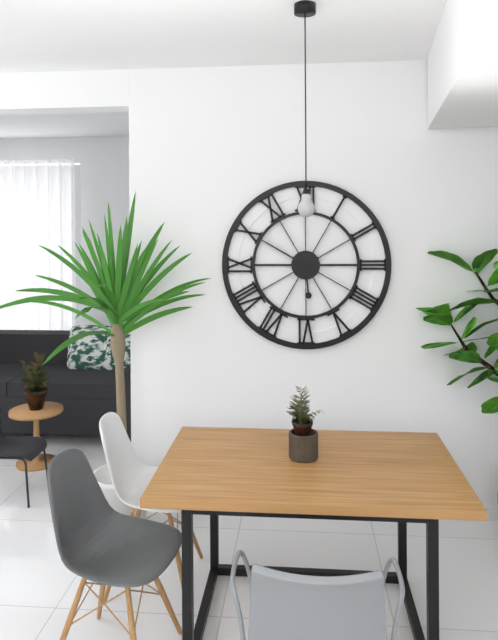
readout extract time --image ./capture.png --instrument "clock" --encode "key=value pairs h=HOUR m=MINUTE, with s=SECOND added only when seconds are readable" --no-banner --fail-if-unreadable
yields h=5 m=50
